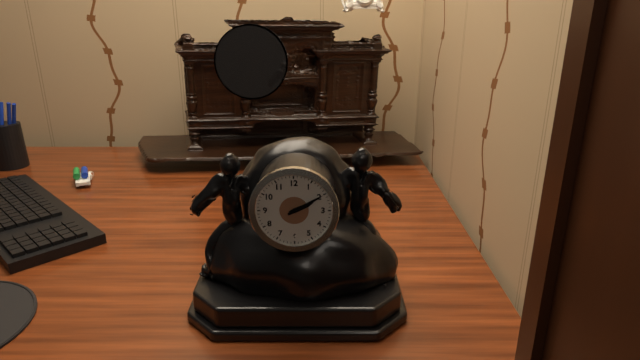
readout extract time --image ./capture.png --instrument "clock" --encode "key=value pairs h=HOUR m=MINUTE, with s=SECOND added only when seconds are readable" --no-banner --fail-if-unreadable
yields h=2 m=10
